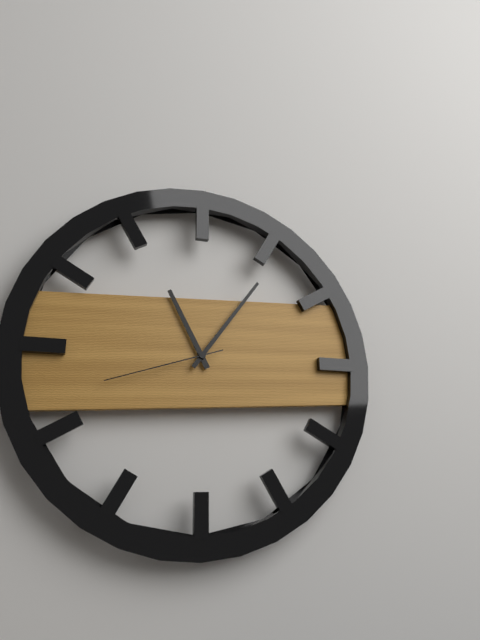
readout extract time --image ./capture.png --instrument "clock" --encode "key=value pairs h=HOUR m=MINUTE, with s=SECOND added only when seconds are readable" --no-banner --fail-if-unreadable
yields h=11 m=6 s=42
